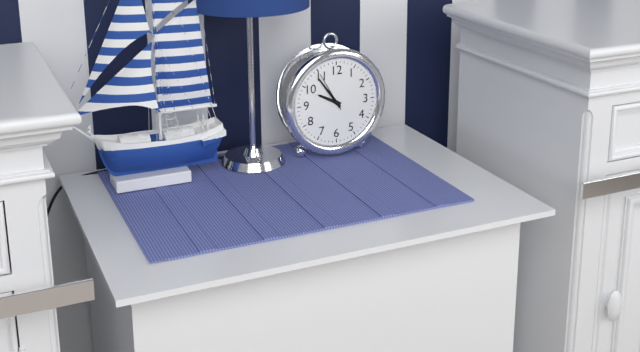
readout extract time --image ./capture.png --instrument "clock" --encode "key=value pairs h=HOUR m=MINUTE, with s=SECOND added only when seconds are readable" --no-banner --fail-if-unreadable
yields h=9 m=54
